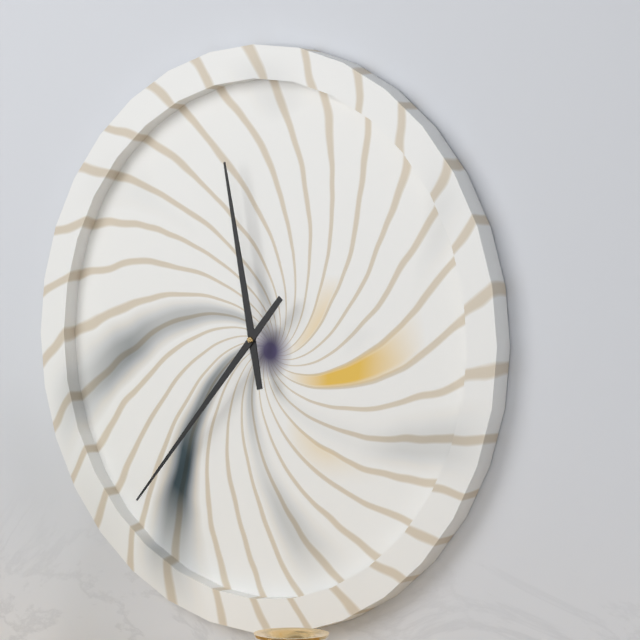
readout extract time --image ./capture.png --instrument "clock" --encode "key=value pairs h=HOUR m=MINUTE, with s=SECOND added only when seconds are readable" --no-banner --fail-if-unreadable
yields h=11 m=37
